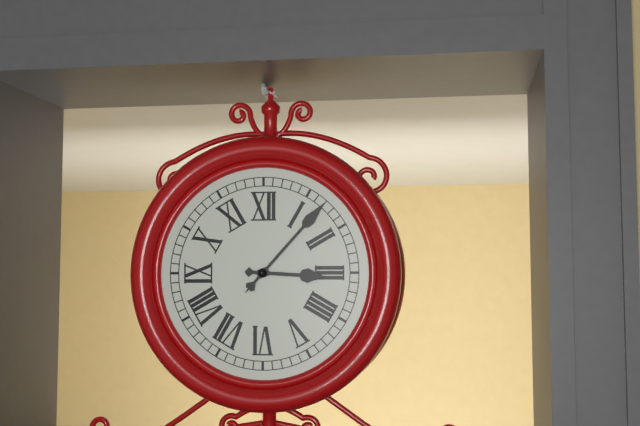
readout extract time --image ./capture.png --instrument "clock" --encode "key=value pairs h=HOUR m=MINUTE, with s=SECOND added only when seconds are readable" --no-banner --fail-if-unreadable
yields h=3 m=7
